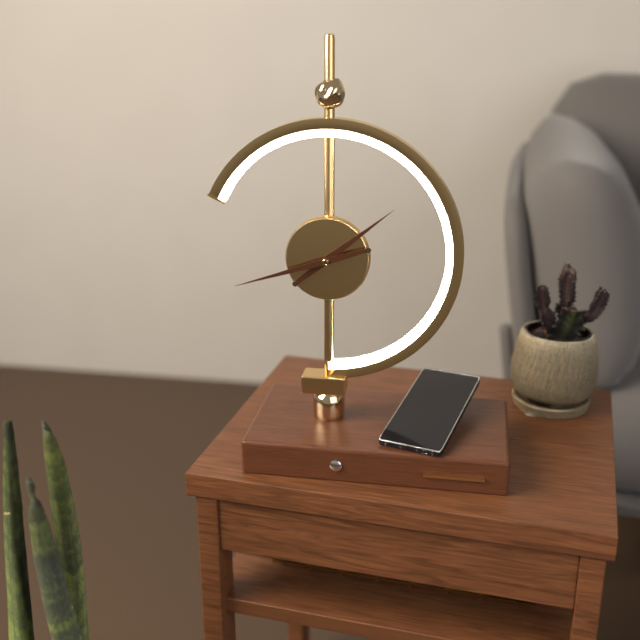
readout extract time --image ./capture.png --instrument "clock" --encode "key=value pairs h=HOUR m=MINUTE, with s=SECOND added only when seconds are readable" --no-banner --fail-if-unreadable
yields h=1 m=42
